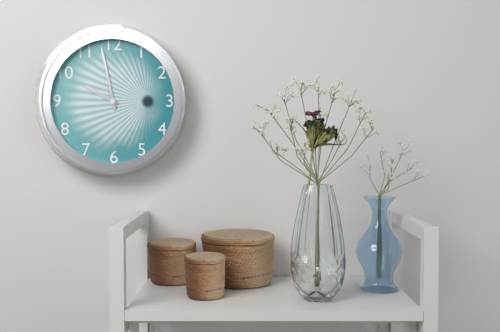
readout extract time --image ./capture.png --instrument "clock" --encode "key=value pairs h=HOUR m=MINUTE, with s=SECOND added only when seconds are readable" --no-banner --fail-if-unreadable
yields h=9 m=58
